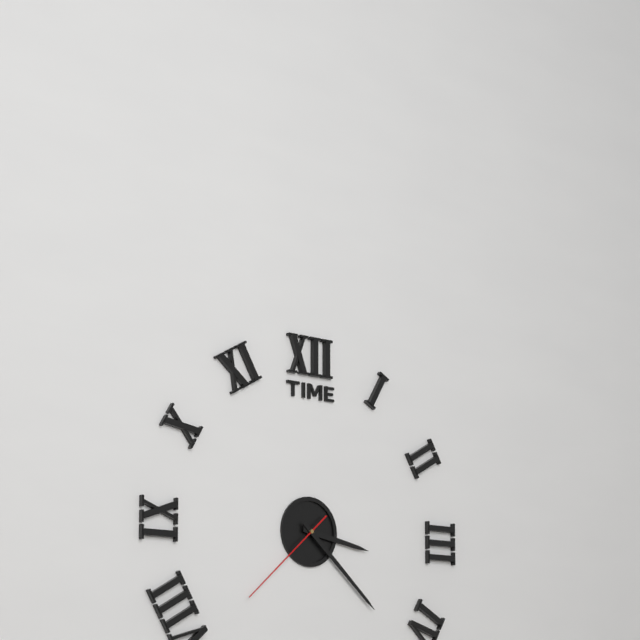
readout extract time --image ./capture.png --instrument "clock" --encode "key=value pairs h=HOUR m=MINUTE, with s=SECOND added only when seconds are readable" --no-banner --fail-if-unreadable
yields h=3 m=22 s=38
